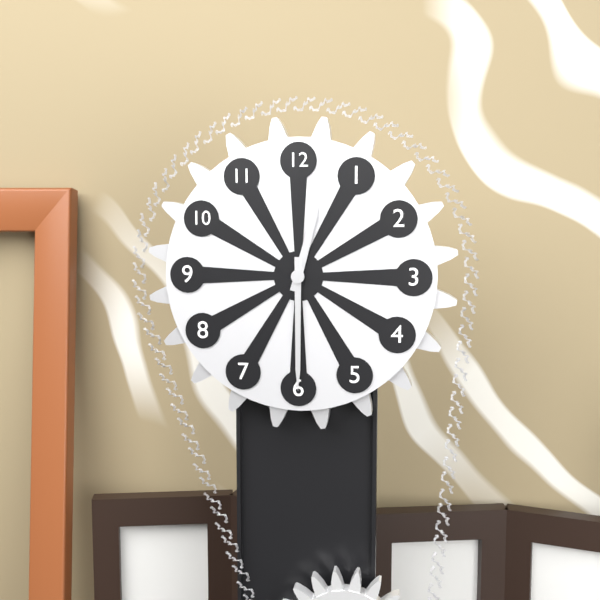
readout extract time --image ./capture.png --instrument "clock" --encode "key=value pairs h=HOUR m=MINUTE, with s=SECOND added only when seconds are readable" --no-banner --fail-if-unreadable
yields h=12 m=30
